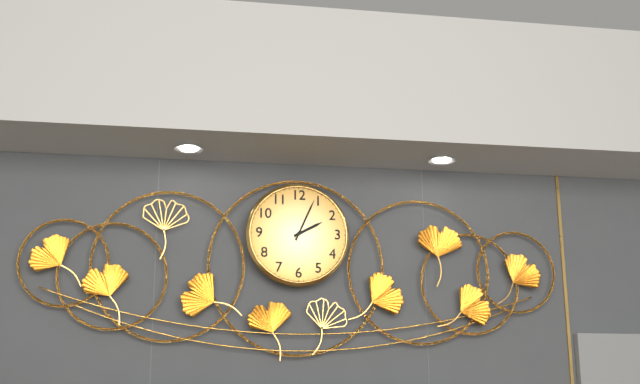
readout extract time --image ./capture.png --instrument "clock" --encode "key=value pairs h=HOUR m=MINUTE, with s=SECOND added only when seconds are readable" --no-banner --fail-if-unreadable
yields h=2 m=4
